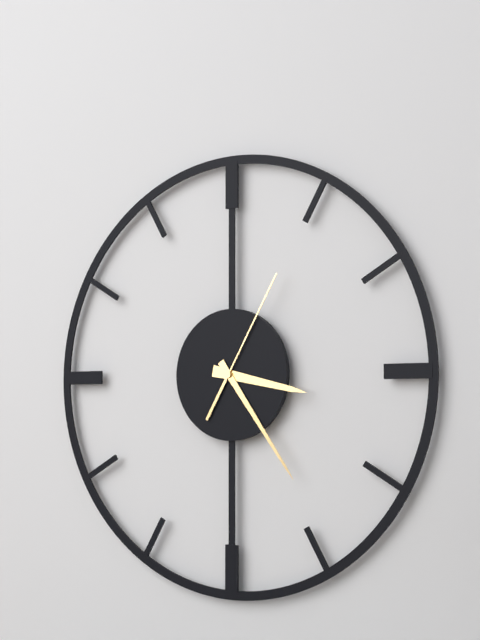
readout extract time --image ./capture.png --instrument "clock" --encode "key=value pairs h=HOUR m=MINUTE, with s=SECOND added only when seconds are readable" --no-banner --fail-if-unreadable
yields h=3 m=24 s=5
